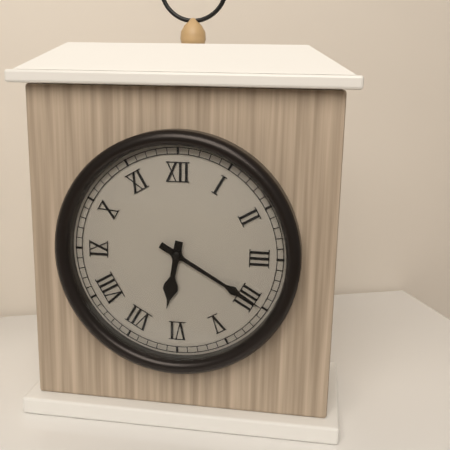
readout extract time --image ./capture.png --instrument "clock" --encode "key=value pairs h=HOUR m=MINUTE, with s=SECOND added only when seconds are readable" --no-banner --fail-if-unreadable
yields h=6 m=20
